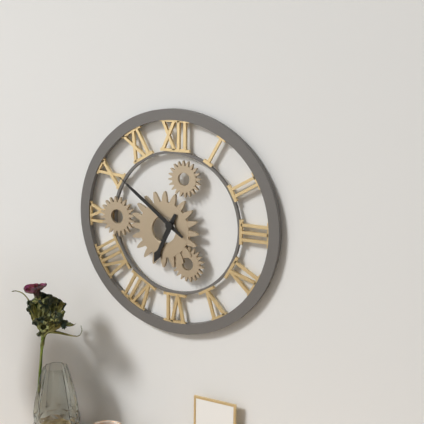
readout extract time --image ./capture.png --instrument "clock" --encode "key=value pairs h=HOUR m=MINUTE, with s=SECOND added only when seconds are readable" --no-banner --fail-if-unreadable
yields h=6 m=51
